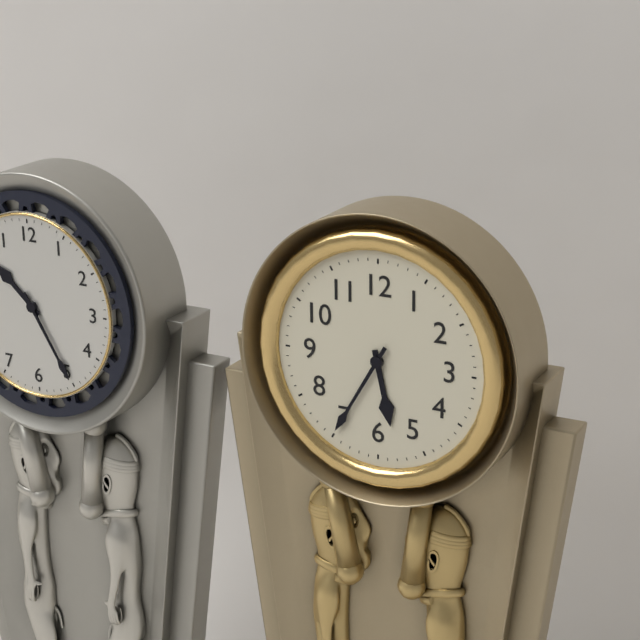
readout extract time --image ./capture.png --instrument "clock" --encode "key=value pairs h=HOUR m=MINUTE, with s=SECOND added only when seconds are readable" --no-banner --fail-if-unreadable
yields h=5 m=35
